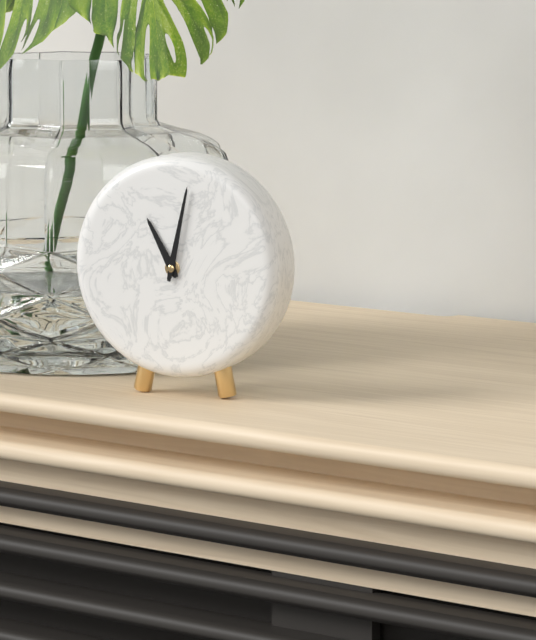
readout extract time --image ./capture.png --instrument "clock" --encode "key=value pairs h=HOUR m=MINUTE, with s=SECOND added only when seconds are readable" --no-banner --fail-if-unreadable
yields h=11 m=2
